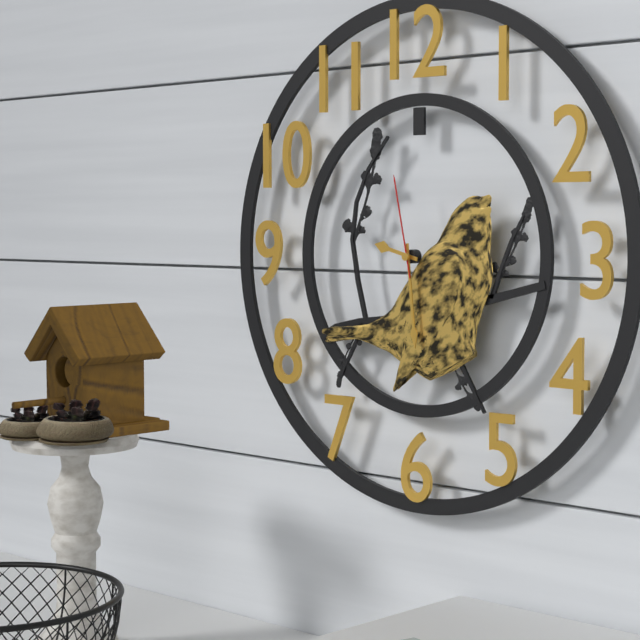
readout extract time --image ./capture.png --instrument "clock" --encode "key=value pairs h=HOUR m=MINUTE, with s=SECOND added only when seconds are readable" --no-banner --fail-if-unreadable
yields h=9 m=29 s=58
